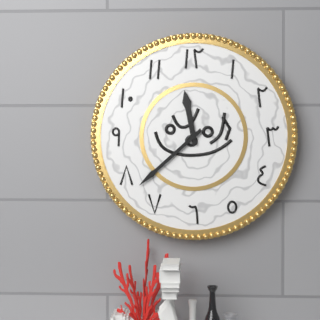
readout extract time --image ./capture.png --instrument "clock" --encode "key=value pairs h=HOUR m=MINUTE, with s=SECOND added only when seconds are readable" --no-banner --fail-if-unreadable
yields h=11 m=38
